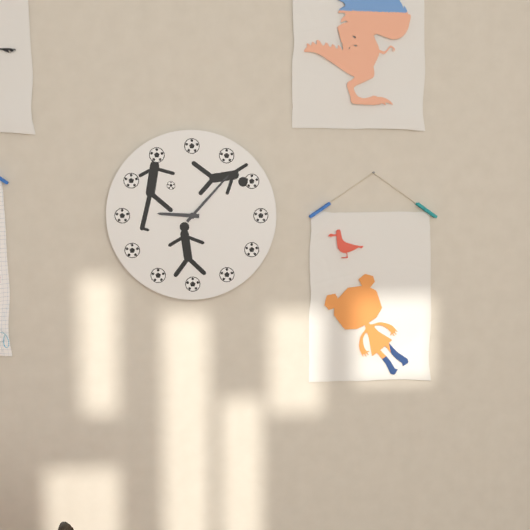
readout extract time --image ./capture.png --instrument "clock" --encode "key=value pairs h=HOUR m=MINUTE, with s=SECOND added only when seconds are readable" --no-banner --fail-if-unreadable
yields h=9 m=7
